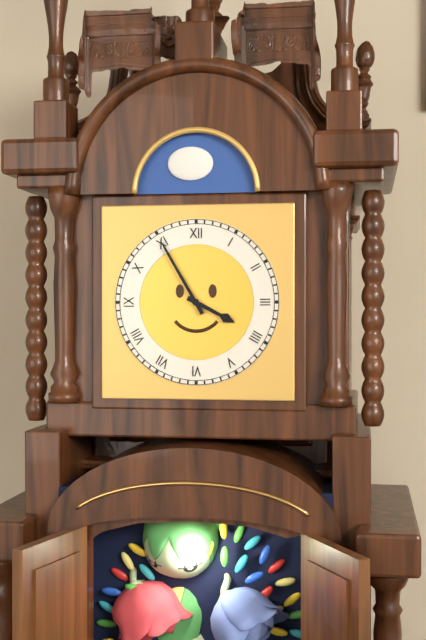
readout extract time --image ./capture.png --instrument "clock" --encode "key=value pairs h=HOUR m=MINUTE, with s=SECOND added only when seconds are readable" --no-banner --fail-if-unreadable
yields h=3 m=55
